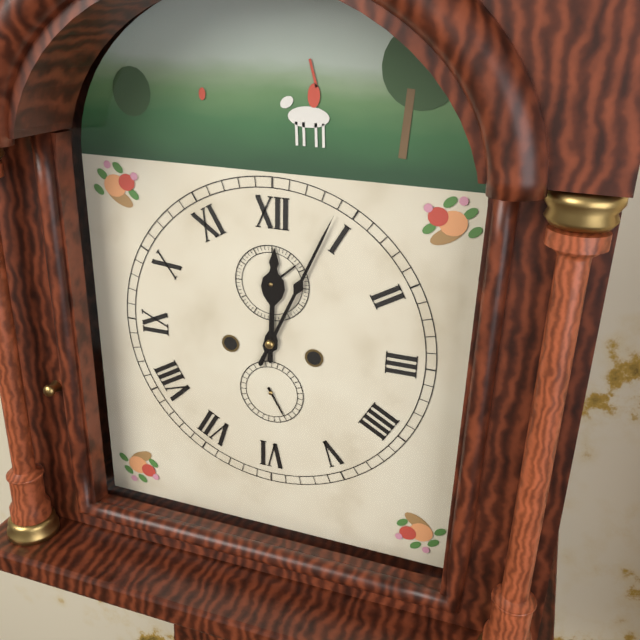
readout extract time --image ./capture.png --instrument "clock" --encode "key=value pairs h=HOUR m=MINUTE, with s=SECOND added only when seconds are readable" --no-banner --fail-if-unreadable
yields h=12 m=4
